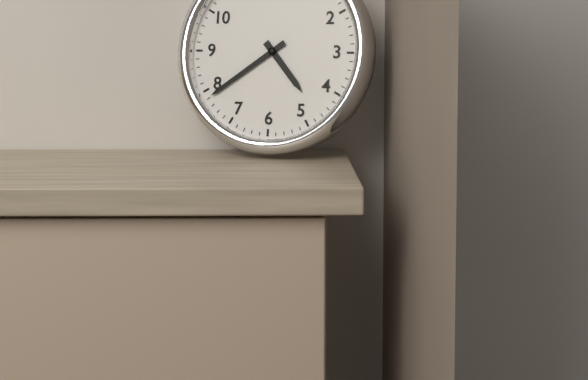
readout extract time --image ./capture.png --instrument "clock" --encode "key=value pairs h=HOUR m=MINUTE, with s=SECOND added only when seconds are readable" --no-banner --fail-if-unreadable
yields h=4 m=39
